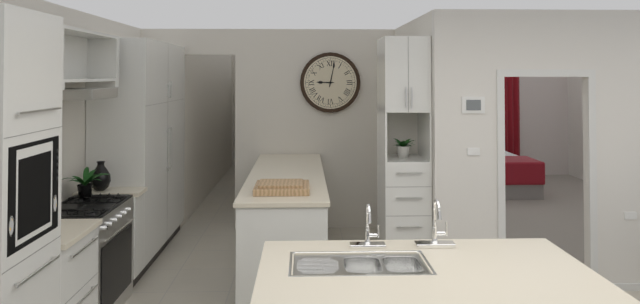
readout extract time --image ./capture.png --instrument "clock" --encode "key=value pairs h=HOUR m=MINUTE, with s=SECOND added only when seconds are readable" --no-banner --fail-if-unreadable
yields h=9 m=2
